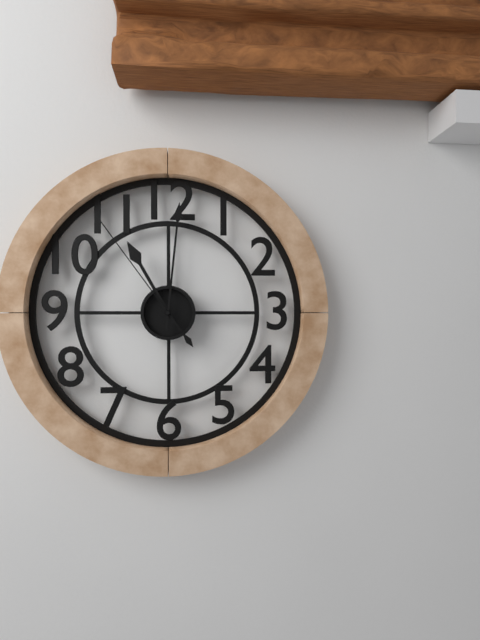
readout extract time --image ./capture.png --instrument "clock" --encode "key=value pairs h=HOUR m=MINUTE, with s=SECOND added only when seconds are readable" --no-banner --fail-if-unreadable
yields h=11 m=1 s=54
